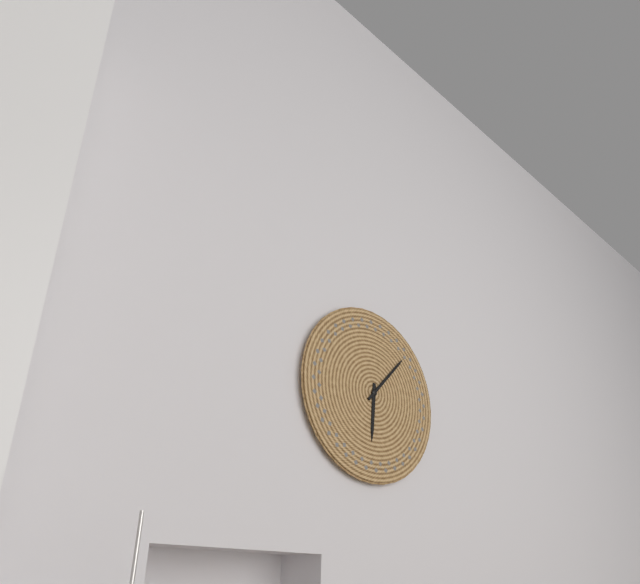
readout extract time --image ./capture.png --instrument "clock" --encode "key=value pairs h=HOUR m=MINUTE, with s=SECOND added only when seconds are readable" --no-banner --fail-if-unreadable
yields h=6 m=7
